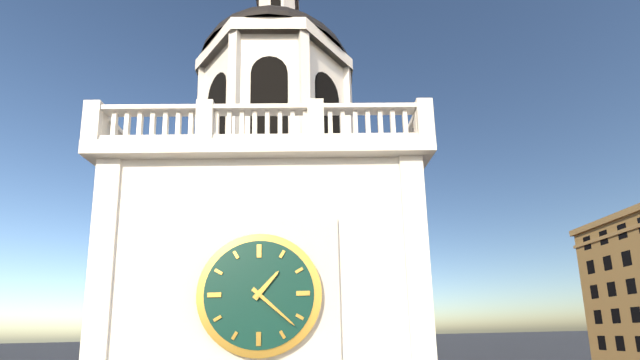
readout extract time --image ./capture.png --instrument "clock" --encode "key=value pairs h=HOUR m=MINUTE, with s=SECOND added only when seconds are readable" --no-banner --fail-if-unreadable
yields h=1 m=22
